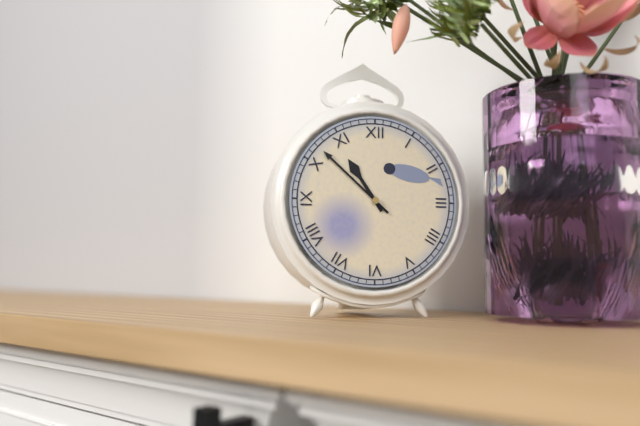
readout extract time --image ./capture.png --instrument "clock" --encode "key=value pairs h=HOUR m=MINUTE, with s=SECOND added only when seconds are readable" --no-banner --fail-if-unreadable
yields h=10 m=52
